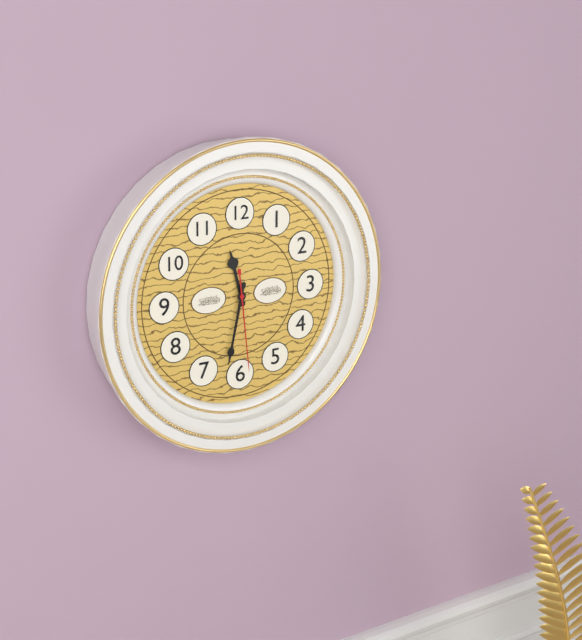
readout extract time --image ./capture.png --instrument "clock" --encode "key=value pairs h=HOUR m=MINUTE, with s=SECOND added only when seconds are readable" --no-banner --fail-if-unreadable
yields h=11 m=32 s=29
